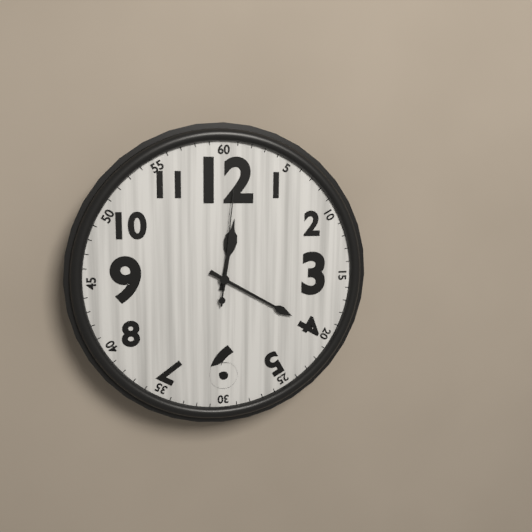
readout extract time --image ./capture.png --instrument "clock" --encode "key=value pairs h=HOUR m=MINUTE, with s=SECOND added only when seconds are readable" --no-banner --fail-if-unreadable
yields h=12 m=20 s=1
